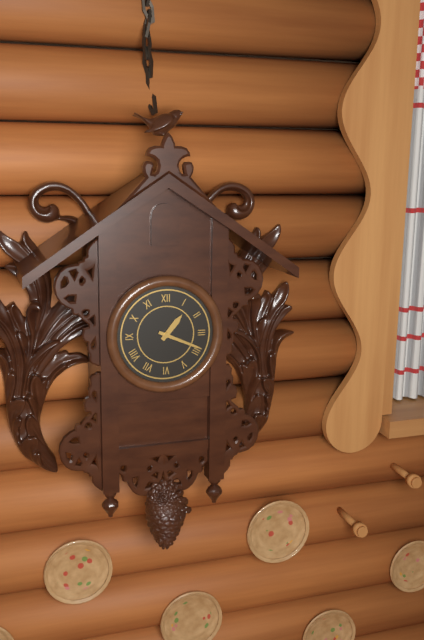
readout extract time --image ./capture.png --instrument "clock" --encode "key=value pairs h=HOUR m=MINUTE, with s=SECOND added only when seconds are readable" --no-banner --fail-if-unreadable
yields h=1 m=19
